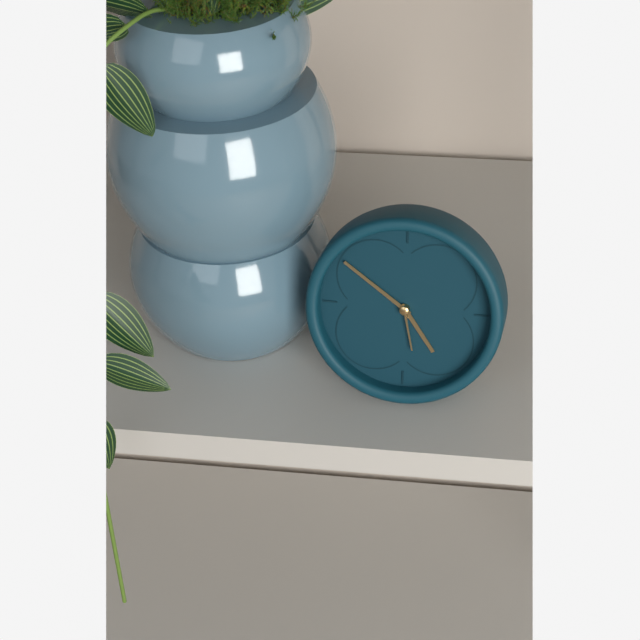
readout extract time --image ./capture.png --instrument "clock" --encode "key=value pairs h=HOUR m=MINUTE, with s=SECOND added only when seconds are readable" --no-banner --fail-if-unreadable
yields h=4 m=51 s=28
